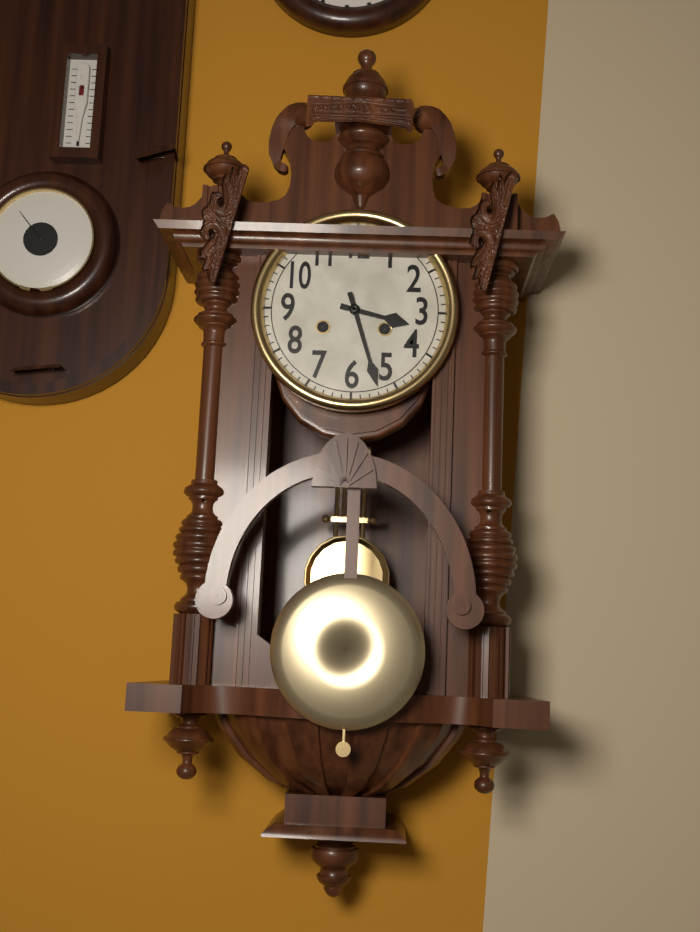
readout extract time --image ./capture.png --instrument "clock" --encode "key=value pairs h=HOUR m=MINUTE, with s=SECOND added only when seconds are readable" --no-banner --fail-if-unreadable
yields h=3 m=27
